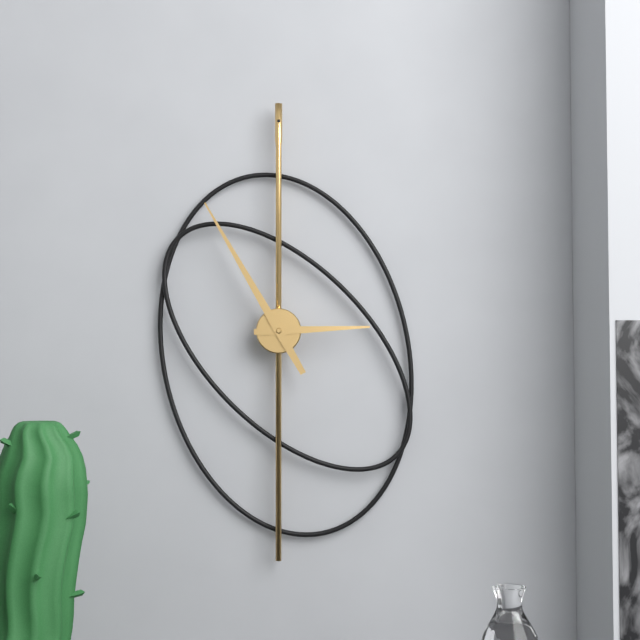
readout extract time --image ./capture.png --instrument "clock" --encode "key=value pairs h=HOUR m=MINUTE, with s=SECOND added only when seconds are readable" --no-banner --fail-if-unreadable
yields h=2 m=55
